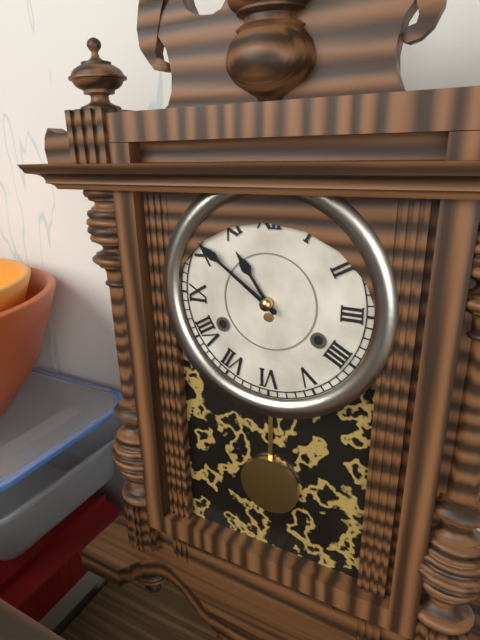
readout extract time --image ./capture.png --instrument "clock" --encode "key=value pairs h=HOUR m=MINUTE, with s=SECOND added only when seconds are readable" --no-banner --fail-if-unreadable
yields h=10 m=51
